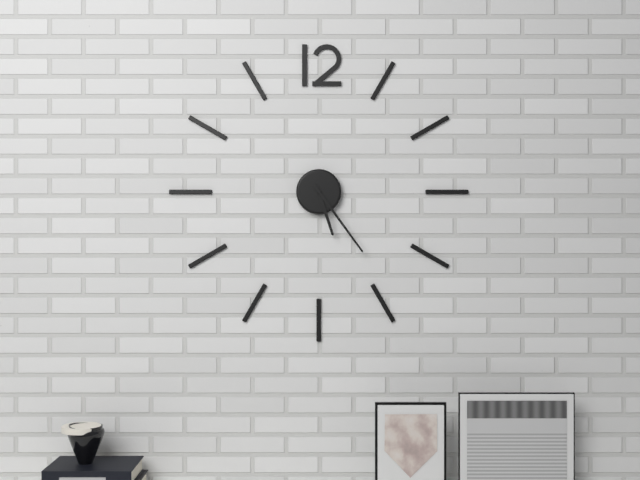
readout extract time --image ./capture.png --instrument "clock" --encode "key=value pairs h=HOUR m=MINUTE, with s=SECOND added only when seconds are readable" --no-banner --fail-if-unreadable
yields h=5 m=24
